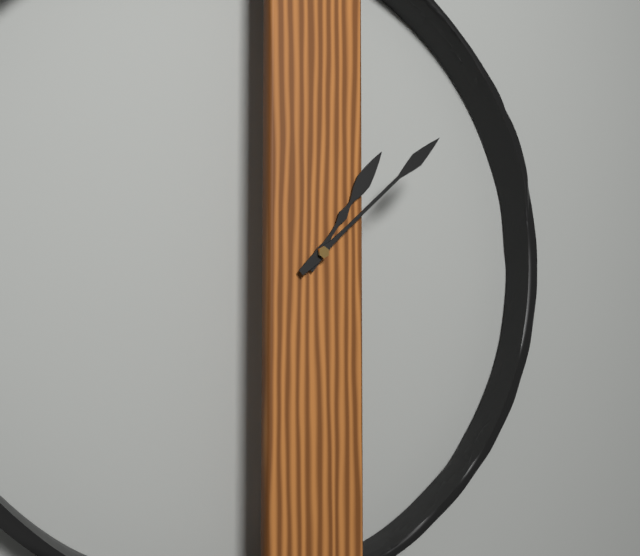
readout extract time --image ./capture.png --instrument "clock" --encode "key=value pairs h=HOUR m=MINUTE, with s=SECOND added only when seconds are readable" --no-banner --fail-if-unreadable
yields h=1 m=8
